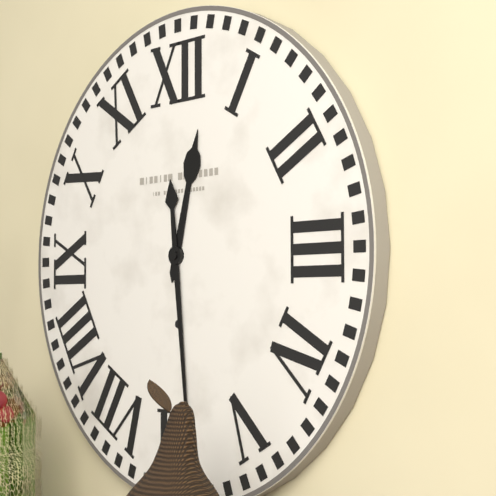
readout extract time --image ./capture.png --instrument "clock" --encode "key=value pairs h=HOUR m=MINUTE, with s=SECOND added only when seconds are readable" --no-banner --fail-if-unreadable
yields h=12 m=29
